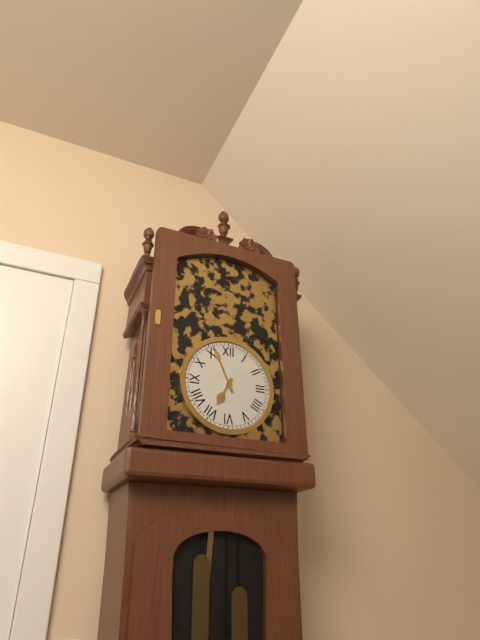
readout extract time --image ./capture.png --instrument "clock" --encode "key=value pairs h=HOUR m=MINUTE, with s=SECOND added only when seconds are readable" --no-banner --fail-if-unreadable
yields h=6 m=56
